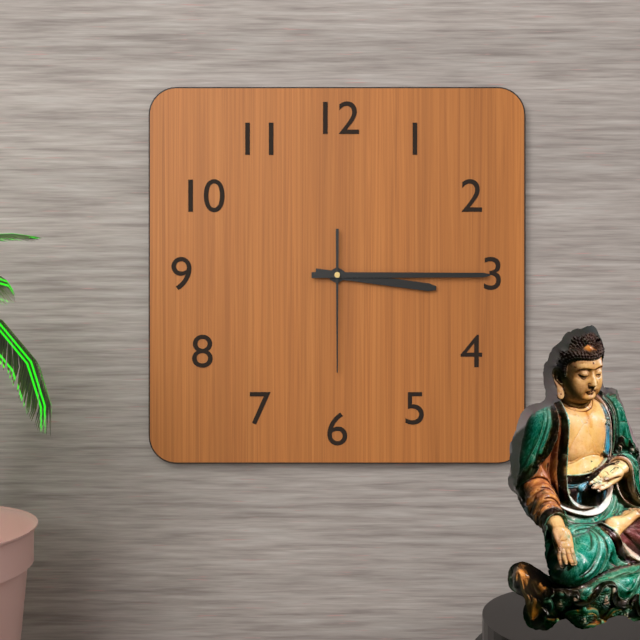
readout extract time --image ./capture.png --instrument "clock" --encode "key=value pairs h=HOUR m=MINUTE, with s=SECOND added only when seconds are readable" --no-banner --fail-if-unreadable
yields h=3 m=15 s=30
